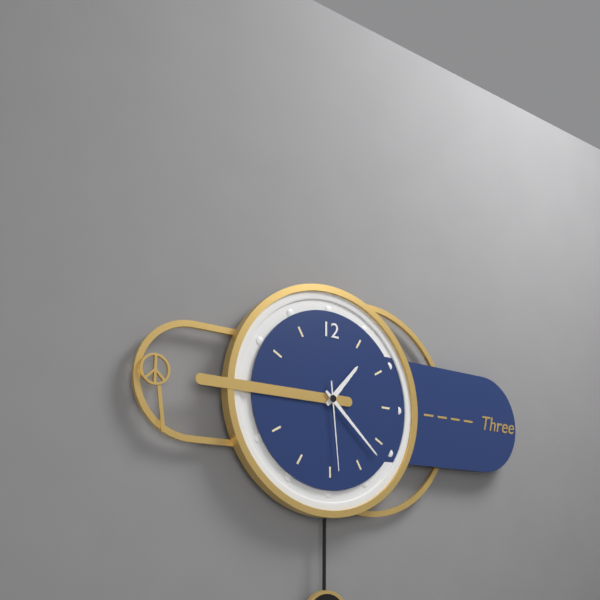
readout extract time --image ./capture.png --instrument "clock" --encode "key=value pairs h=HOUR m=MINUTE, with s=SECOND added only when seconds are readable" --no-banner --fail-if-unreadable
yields h=1 m=22 s=29
